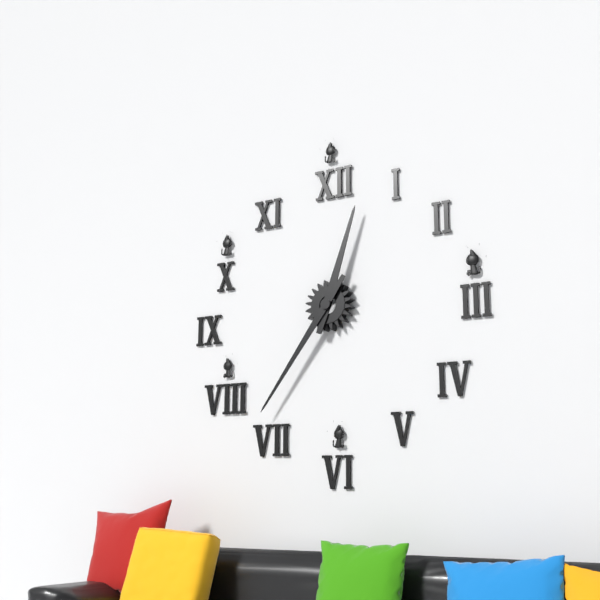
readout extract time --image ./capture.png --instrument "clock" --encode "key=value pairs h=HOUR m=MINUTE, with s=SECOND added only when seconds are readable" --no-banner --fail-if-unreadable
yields h=12 m=36
